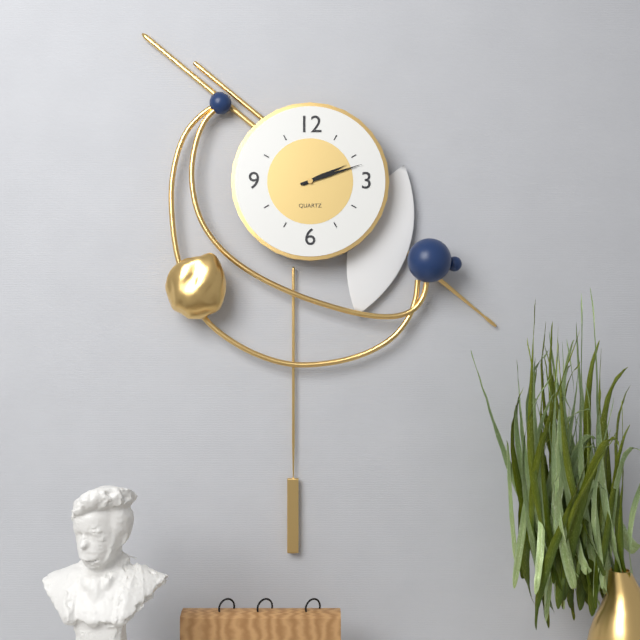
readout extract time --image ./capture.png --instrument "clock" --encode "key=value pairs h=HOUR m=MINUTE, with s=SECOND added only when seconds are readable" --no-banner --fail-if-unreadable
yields h=2 m=12
